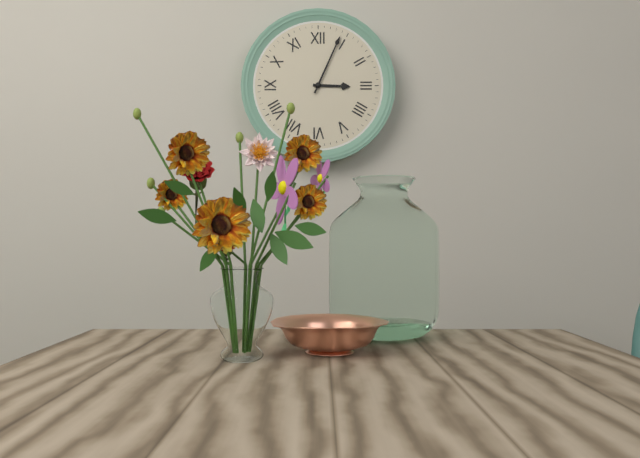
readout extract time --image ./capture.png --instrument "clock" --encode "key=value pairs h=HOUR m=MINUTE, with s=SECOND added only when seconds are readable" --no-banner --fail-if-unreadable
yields h=3 m=4
